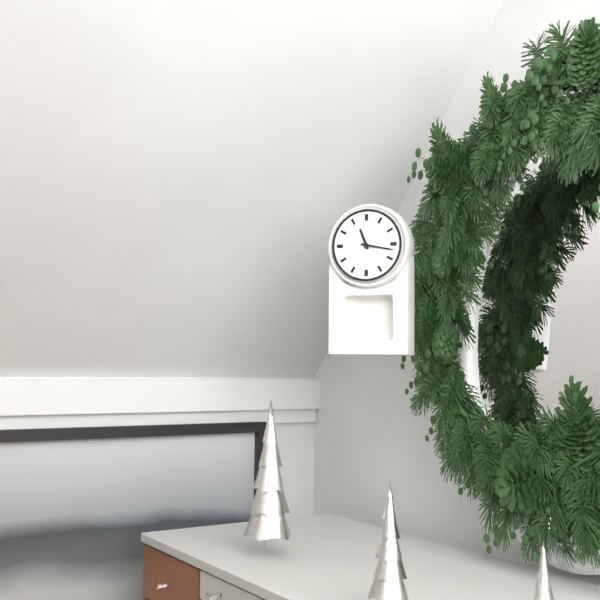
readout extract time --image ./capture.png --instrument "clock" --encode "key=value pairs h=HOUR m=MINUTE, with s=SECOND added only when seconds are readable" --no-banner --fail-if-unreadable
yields h=11 m=17
